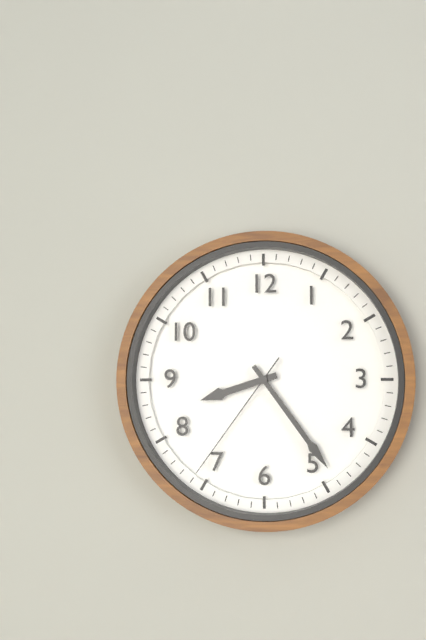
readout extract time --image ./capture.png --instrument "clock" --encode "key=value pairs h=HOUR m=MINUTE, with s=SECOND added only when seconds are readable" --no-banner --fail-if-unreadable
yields h=8 m=24 s=36
